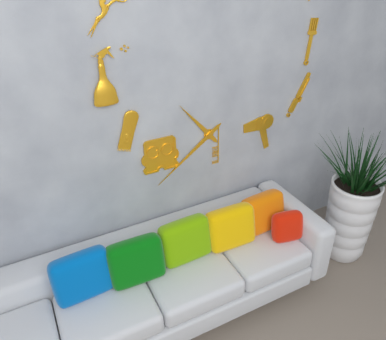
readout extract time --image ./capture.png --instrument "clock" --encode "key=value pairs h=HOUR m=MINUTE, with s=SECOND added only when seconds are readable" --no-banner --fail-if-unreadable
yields h=10 m=39
